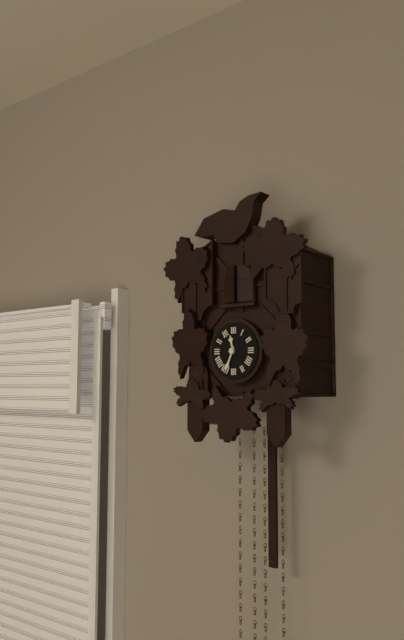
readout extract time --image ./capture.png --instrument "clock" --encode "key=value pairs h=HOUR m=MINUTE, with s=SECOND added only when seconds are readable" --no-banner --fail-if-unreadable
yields h=11 m=34
